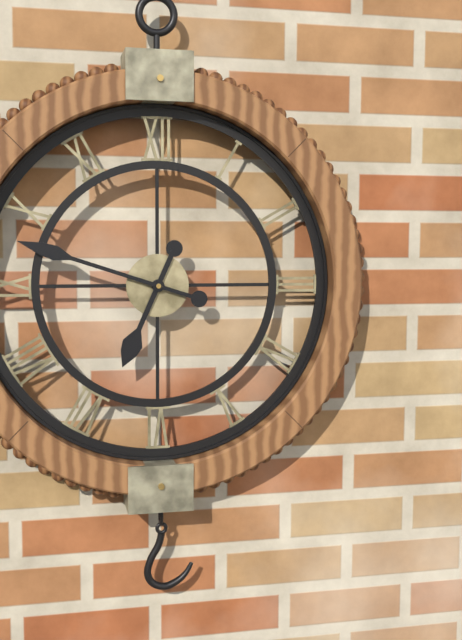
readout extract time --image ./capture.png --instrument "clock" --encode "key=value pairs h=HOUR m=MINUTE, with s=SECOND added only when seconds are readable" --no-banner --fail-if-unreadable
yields h=6 m=48
